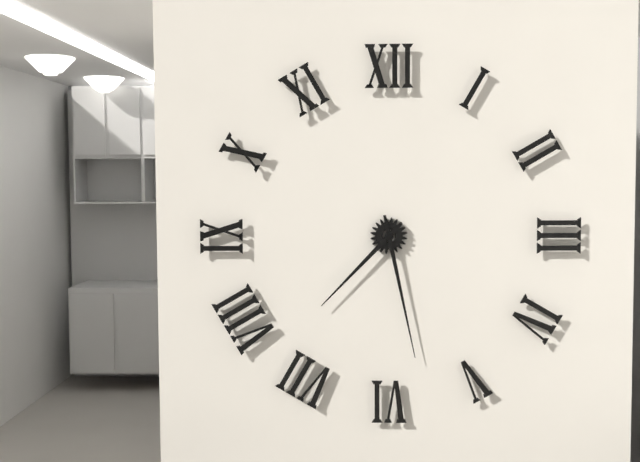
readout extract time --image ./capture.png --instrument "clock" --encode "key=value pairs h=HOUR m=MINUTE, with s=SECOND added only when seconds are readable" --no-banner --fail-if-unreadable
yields h=7 m=28
